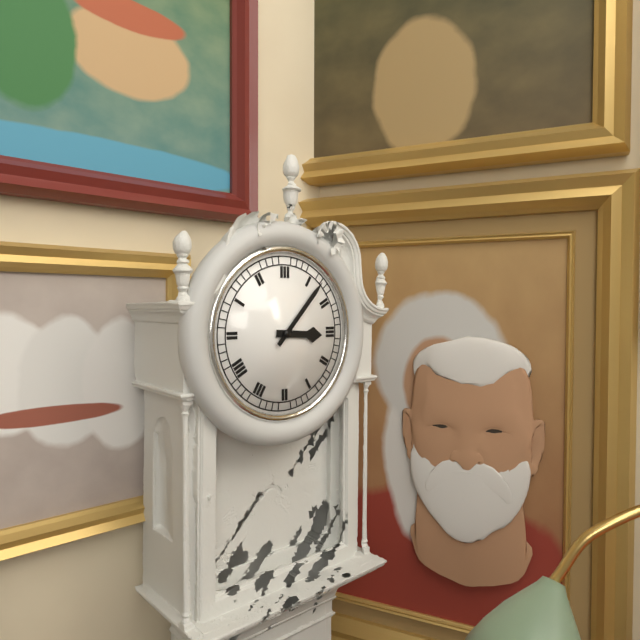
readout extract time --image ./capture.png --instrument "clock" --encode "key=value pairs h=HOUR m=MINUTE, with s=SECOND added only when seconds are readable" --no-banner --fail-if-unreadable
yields h=3 m=7
